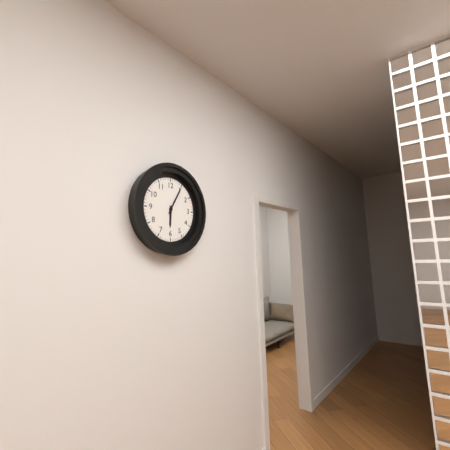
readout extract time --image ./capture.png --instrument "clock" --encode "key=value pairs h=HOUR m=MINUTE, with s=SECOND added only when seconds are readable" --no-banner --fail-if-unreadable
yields h=6 m=5
